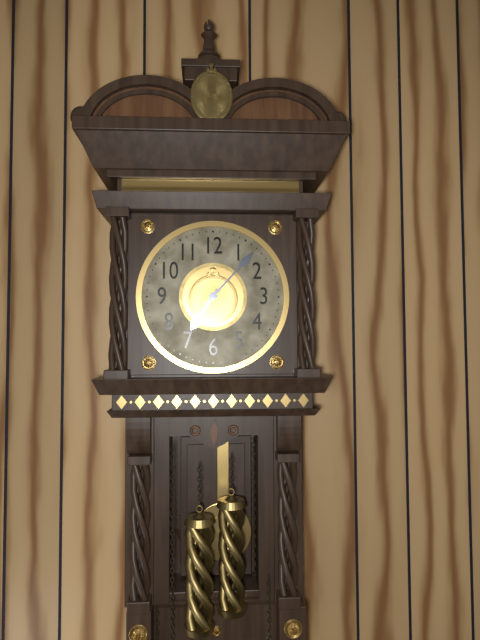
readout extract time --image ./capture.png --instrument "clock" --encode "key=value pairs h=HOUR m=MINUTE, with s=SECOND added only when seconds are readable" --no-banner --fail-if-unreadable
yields h=7 m=7
